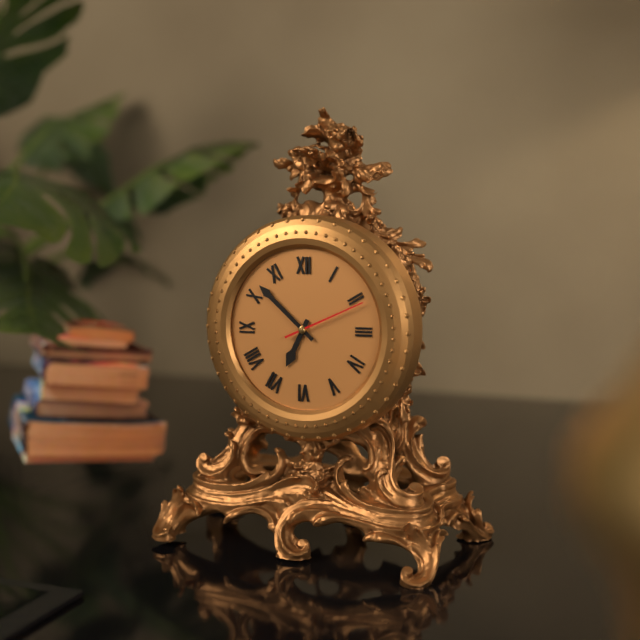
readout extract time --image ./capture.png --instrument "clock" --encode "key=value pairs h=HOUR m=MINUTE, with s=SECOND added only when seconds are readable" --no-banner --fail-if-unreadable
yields h=6 m=52 s=11
